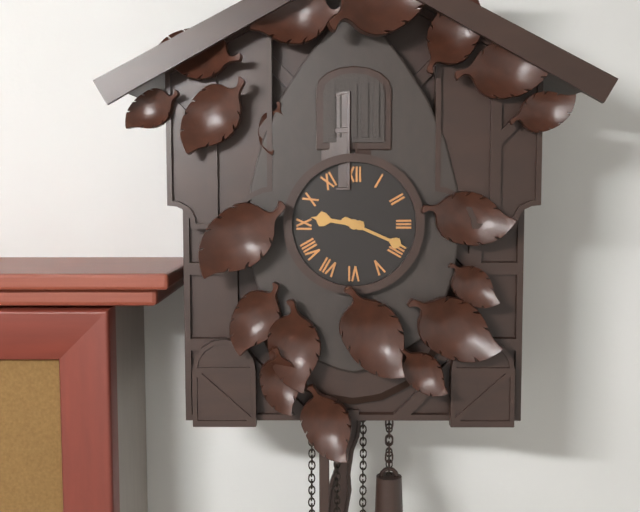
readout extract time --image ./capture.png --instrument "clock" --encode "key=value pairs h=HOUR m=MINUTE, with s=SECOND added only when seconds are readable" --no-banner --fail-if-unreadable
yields h=9 m=19
